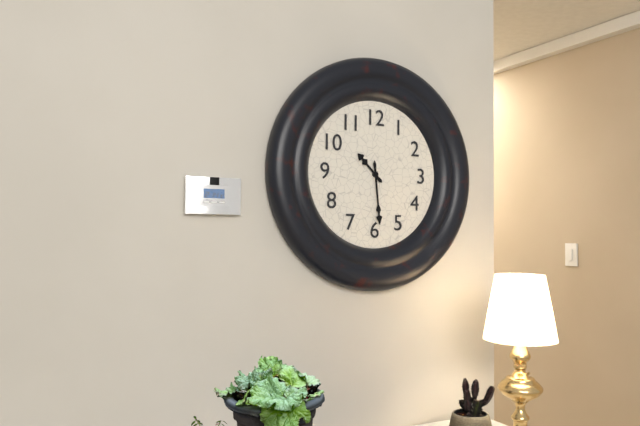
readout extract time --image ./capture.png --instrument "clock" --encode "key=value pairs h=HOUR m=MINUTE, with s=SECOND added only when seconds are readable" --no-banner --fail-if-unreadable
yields h=10 m=29
